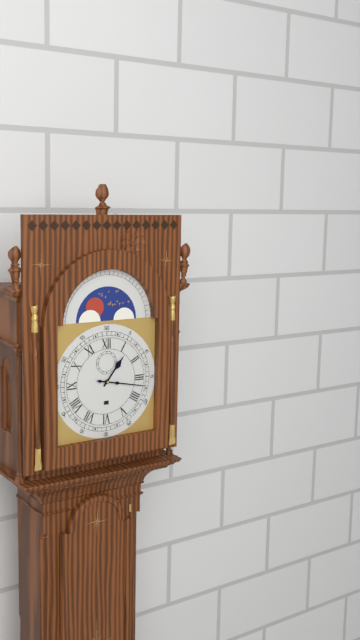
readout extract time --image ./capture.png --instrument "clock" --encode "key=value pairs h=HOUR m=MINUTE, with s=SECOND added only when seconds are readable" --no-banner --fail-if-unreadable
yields h=1 m=17
